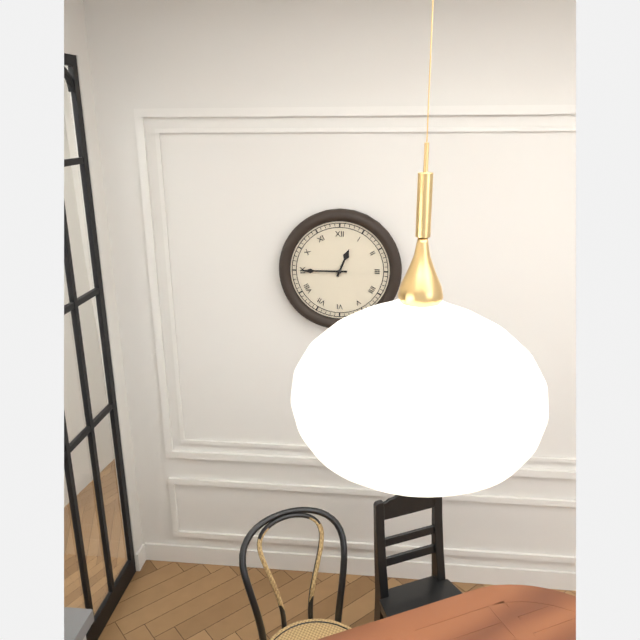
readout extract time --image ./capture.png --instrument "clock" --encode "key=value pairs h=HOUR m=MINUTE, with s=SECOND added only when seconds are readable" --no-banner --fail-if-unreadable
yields h=12 m=45
